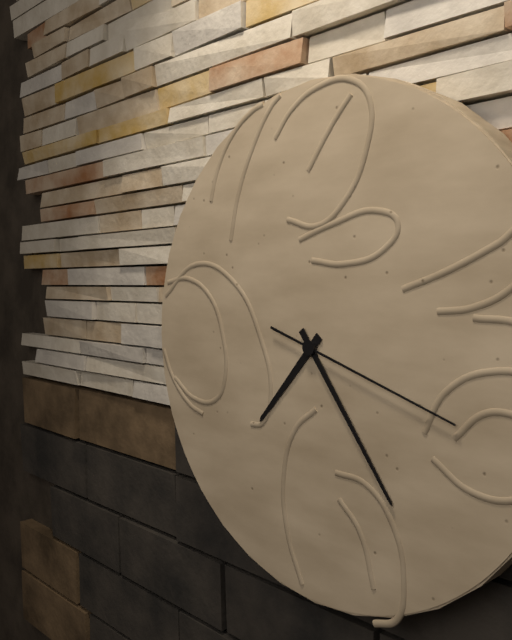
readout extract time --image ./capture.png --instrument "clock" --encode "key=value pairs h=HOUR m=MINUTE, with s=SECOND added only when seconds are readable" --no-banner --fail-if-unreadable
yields h=7 m=24 s=18
